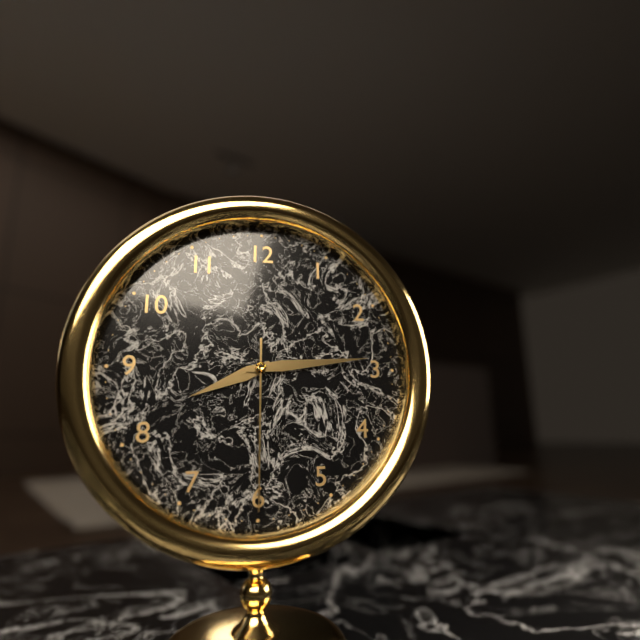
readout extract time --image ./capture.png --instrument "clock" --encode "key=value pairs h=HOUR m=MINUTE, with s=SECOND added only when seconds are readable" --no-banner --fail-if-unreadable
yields h=8 m=14 s=30
